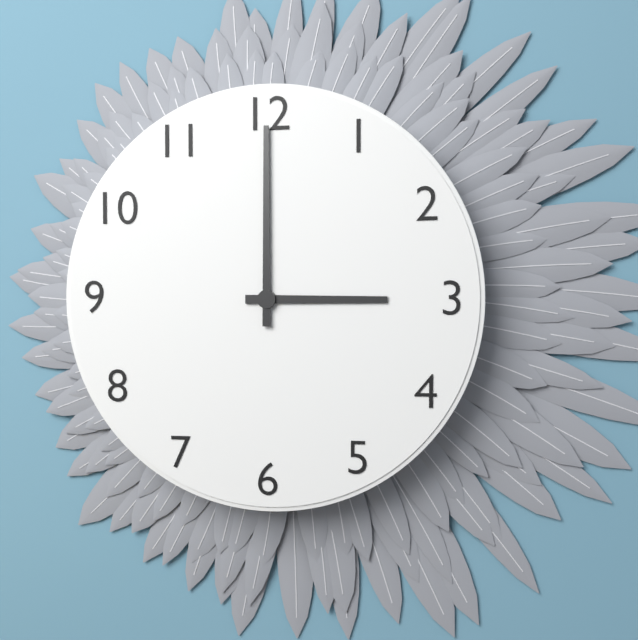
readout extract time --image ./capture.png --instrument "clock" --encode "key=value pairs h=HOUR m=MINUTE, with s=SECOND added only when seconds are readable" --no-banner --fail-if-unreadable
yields h=3 m=0
